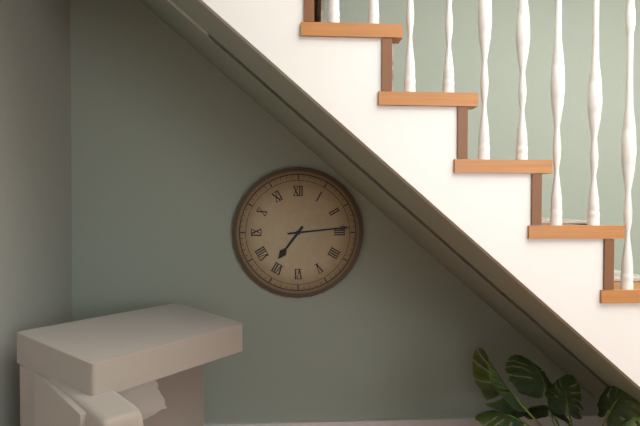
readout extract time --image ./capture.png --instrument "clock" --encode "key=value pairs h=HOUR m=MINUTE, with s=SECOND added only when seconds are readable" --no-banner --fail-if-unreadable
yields h=7 m=14
